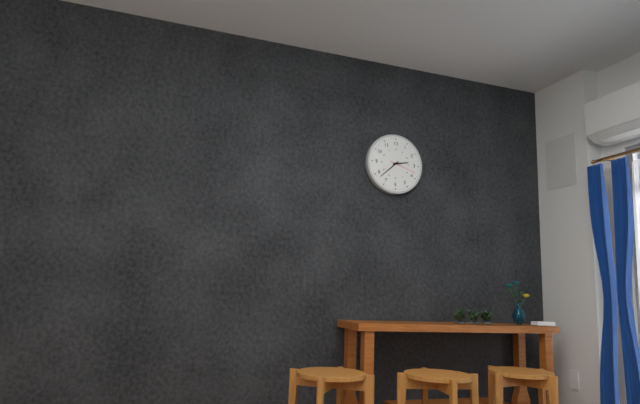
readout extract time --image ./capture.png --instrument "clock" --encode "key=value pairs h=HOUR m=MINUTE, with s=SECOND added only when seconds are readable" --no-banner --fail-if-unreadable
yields h=2 m=38
